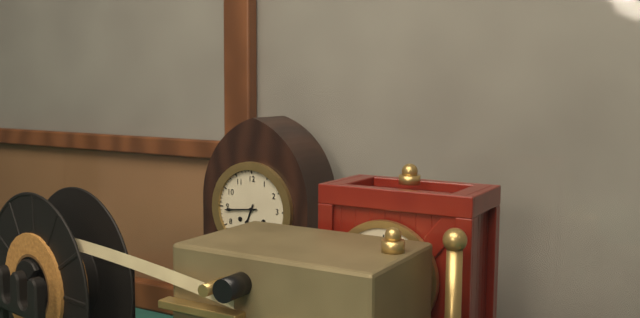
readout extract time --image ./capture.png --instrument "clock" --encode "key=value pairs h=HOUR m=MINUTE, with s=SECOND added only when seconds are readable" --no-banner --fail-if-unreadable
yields h=6 m=44
